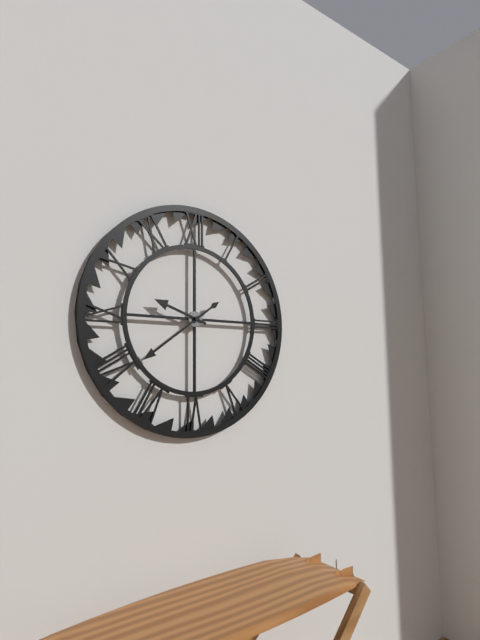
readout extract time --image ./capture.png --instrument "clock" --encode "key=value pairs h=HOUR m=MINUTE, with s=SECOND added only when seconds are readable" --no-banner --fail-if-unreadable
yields h=9 m=39
